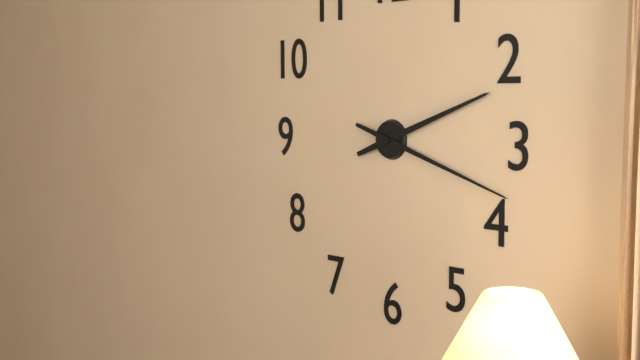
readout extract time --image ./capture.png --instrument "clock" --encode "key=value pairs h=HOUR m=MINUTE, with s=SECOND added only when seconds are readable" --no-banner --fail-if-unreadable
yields h=2 m=18
